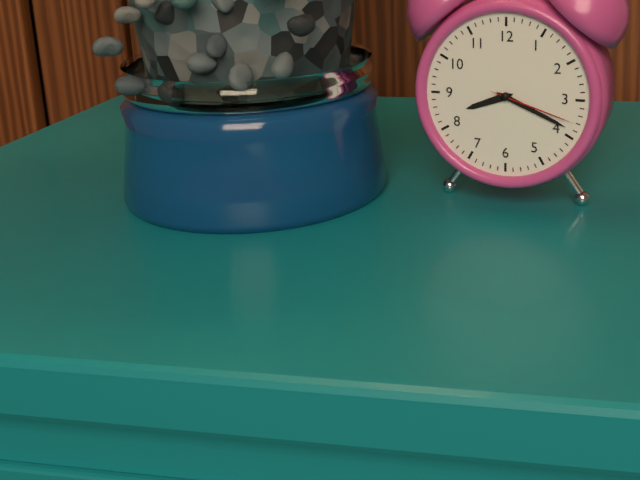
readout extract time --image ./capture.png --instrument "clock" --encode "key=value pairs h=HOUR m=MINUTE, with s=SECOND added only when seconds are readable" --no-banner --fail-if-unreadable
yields h=8 m=19 s=18
